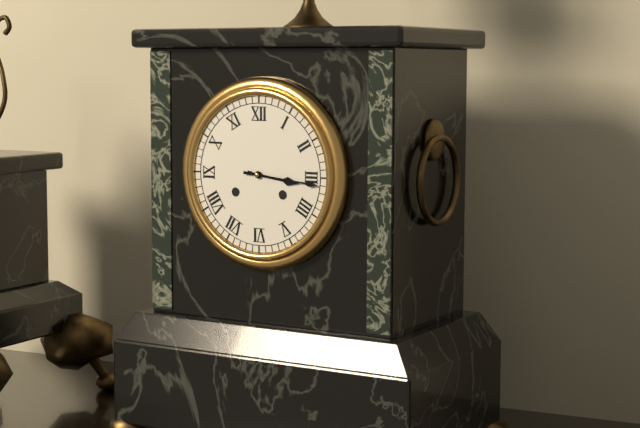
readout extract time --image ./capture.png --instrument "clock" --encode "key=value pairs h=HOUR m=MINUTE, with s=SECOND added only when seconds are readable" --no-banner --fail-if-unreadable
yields h=3 m=16
